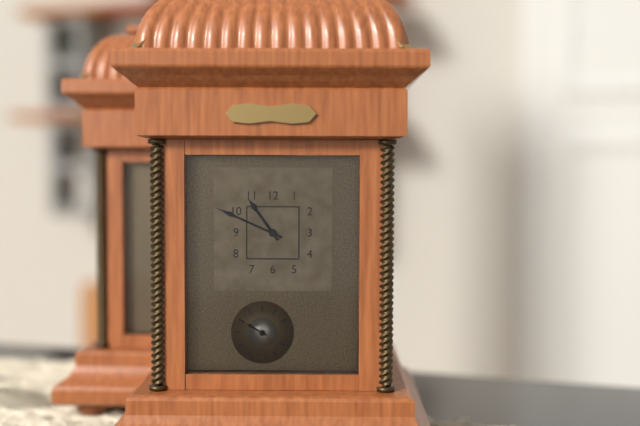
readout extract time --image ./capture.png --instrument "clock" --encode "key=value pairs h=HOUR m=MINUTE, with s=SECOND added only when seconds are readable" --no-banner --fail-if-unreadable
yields h=10 m=49
